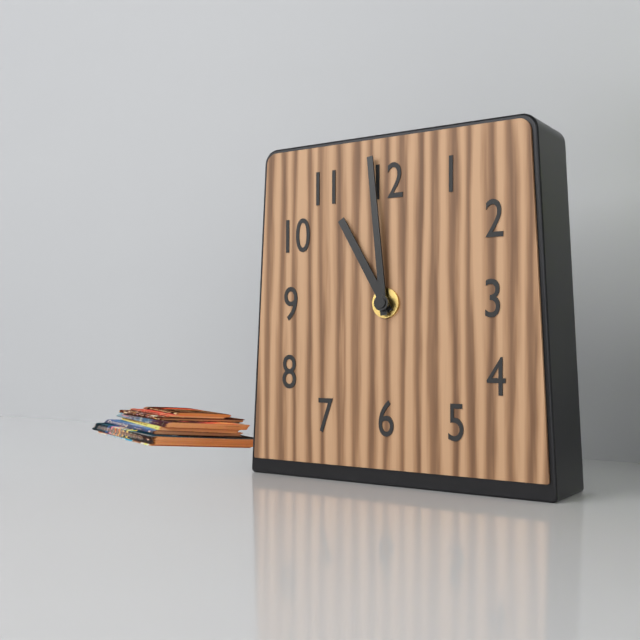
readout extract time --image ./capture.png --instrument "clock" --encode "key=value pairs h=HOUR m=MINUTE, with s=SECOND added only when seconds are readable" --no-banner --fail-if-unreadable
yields h=10 m=59
